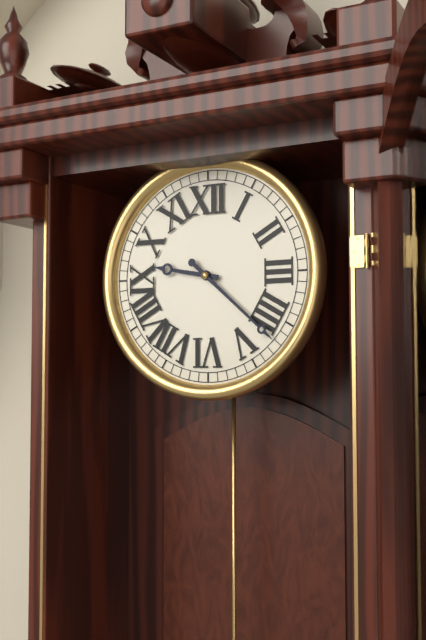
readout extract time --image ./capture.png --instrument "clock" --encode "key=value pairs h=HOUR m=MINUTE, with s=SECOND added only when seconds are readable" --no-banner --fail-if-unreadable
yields h=9 m=22
